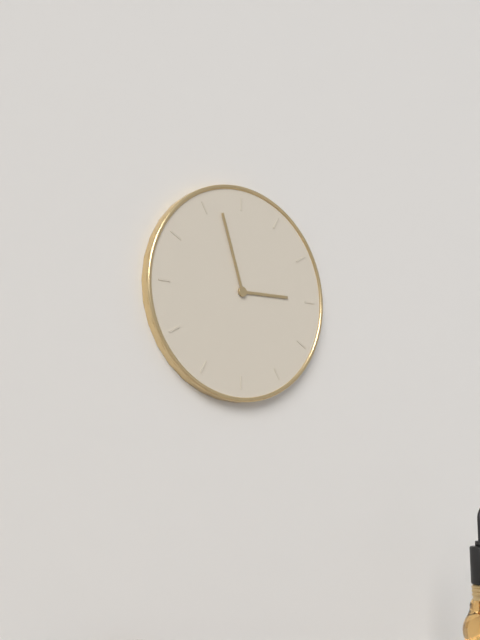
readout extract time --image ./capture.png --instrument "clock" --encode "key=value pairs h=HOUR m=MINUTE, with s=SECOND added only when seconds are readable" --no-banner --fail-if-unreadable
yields h=2 m=57
